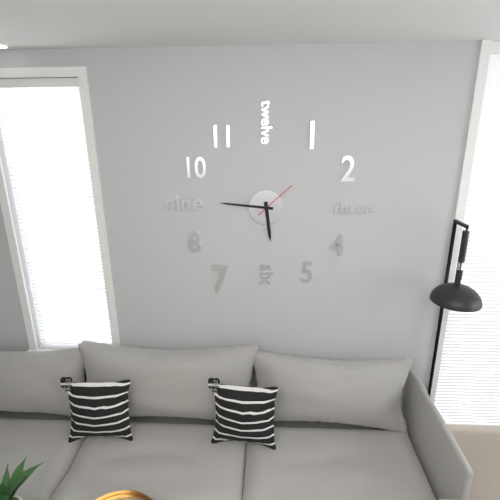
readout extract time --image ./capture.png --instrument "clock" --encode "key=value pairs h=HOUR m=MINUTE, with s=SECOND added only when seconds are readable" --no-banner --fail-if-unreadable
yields h=5 m=46
